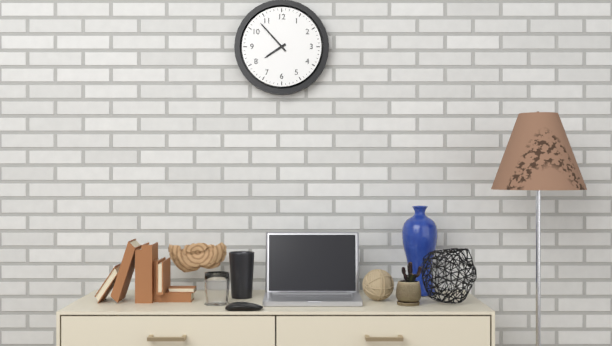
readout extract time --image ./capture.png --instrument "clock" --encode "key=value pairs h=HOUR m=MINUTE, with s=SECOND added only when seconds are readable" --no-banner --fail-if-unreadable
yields h=7 m=53
